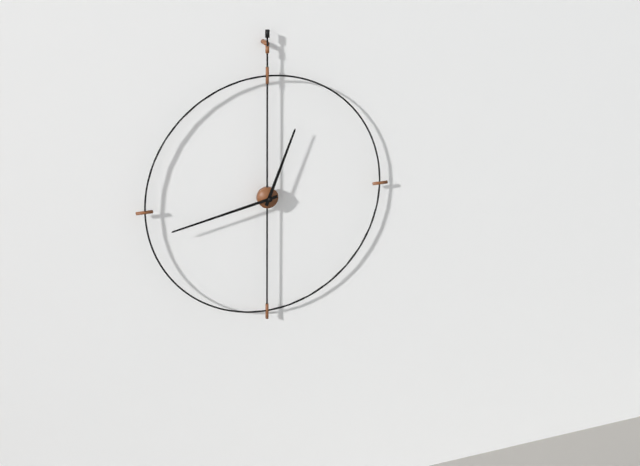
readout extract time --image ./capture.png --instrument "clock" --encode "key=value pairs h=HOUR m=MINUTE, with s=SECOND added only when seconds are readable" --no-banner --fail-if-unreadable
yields h=12 m=43
